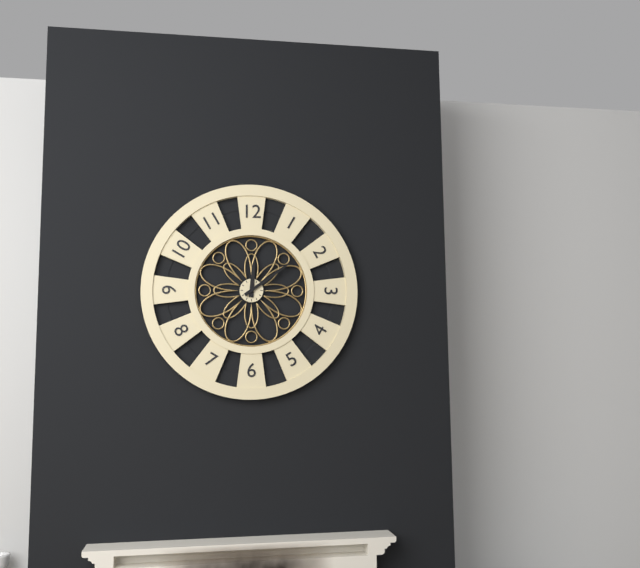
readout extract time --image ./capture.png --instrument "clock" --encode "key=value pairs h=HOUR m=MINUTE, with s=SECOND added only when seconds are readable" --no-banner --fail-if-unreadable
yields h=12 m=9
